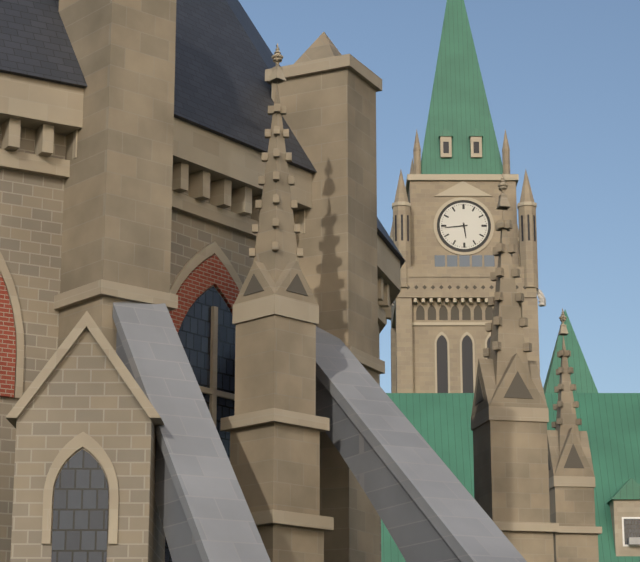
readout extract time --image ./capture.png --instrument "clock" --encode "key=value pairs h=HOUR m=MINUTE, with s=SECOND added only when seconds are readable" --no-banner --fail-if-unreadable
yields h=5 m=44
